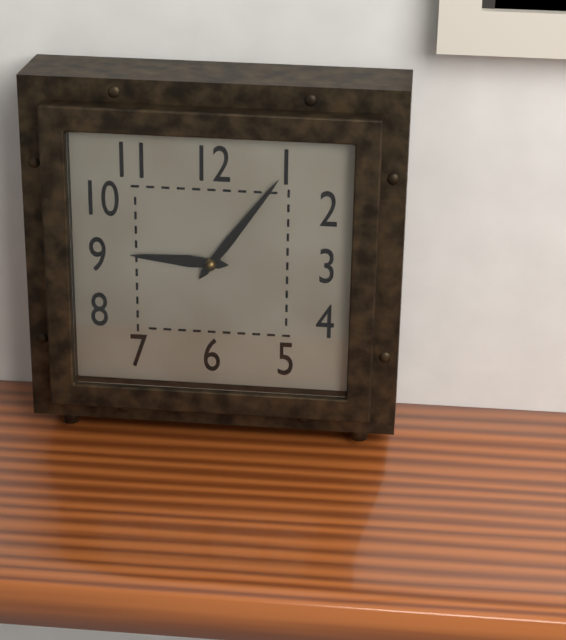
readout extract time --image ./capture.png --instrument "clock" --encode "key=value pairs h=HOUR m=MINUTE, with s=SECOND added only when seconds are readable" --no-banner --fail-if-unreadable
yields h=9 m=6
